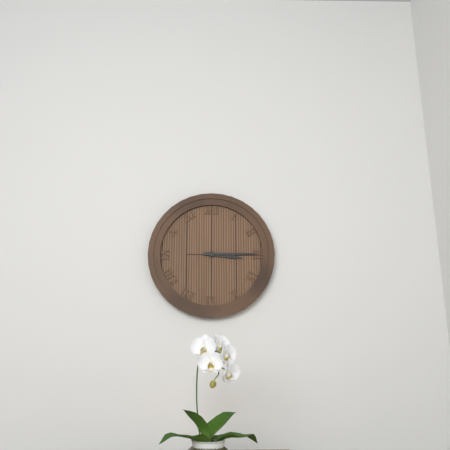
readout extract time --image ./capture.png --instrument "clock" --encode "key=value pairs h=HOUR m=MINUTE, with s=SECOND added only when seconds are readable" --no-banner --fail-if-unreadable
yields h=3 m=15
